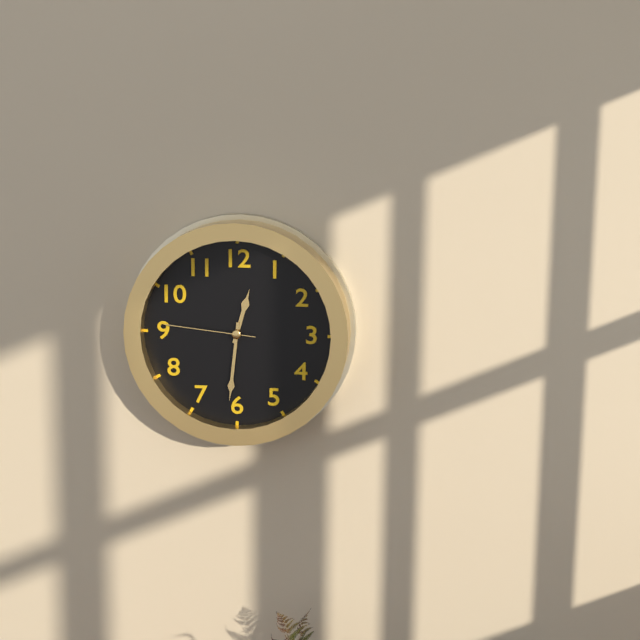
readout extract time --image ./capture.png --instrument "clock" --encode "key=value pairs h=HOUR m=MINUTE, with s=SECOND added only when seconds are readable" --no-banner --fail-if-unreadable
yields h=12 m=31 s=46
